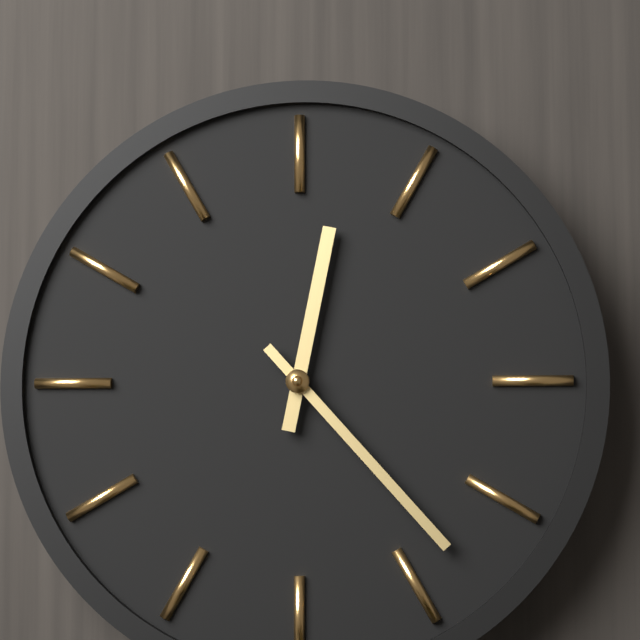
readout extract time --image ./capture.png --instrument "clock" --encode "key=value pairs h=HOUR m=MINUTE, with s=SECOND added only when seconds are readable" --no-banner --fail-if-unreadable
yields h=12 m=23
